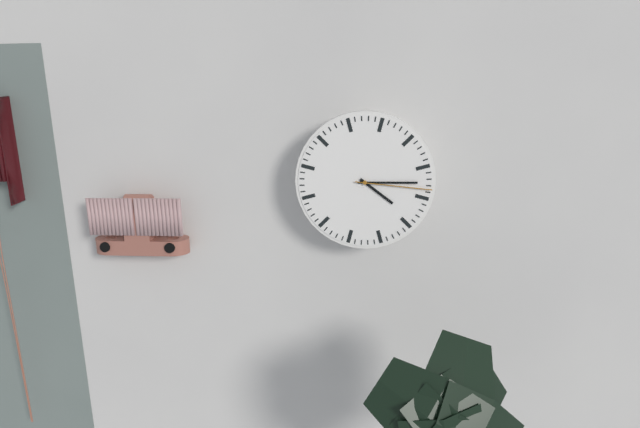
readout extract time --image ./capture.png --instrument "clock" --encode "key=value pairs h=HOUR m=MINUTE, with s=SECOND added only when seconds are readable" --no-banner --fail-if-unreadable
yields h=4 m=15 s=16
